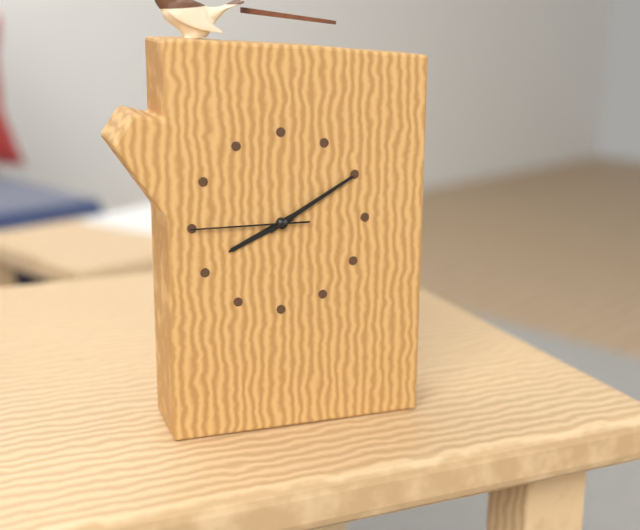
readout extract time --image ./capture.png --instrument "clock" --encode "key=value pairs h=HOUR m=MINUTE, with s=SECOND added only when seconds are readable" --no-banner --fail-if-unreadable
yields h=8 m=10 s=45
